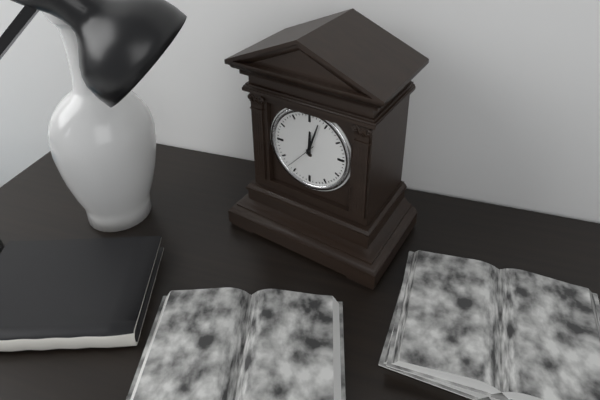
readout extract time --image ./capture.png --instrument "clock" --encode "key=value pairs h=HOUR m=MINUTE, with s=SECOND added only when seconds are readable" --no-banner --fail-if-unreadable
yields h=12 m=3
